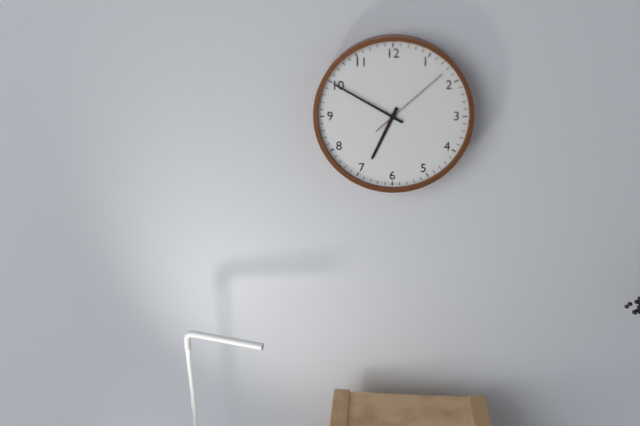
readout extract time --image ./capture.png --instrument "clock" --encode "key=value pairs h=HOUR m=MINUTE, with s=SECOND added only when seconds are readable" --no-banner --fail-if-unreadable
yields h=6 m=50 s=8
